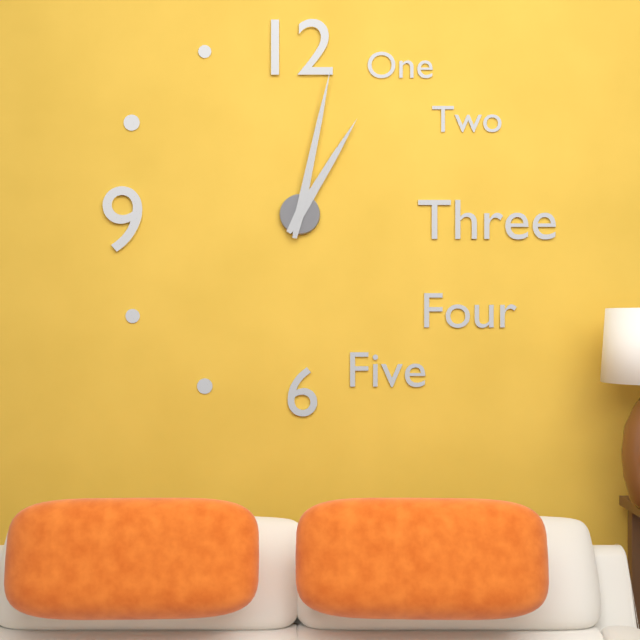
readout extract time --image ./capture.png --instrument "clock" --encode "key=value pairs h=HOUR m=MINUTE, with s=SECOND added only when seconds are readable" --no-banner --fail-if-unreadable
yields h=1 m=2
